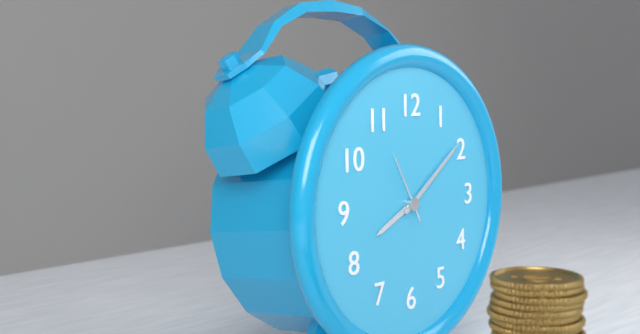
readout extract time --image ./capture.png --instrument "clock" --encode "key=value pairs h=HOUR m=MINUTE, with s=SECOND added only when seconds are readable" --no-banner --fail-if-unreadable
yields h=8 m=9 s=55
